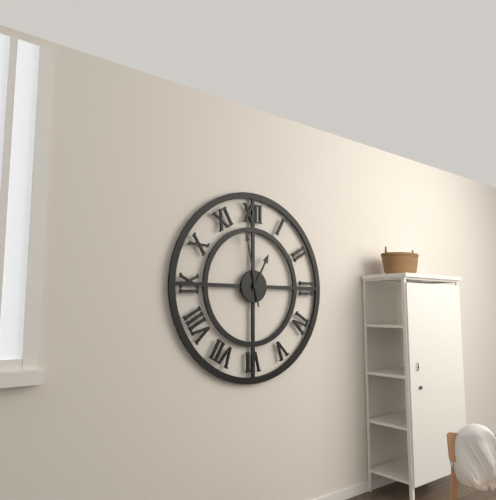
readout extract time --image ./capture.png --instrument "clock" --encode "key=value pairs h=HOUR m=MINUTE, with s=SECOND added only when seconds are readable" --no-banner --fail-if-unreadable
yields h=12 m=58
